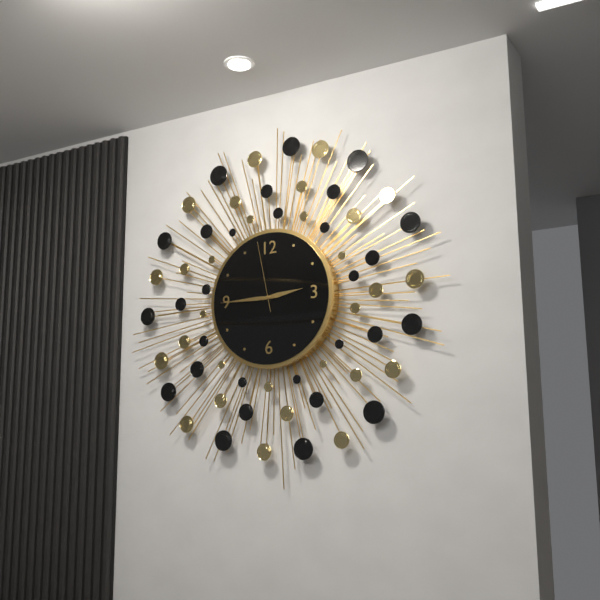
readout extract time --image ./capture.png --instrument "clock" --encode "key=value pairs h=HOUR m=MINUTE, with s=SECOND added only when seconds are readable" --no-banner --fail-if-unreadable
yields h=2 m=45 s=58
